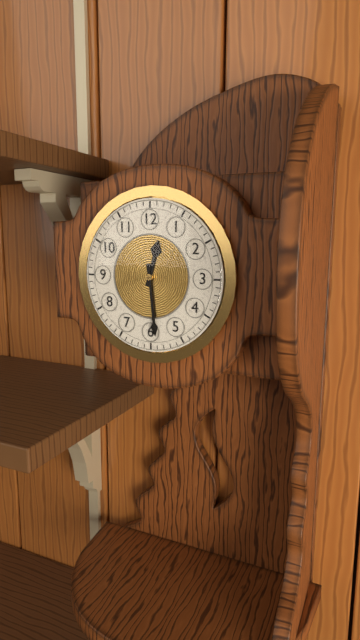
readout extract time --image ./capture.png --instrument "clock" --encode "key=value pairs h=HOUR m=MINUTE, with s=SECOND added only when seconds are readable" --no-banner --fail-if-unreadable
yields h=12 m=29
